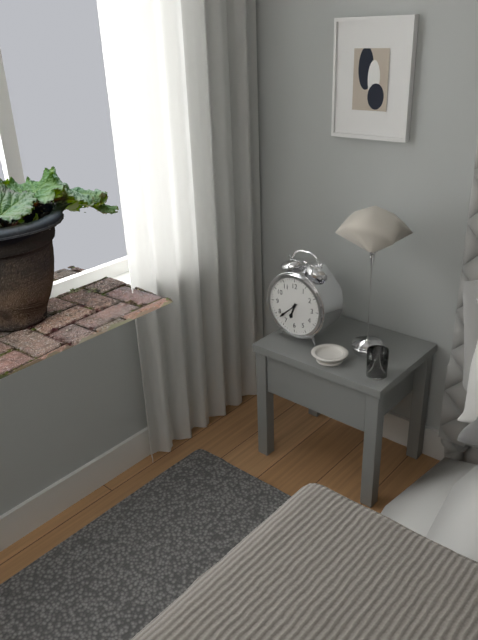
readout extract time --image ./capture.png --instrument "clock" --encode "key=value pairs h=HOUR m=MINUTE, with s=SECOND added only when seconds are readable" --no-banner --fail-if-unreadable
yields h=6 m=38
